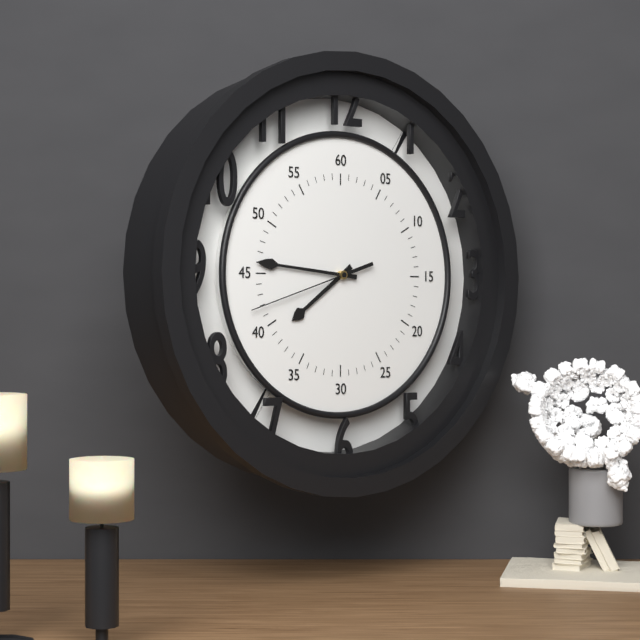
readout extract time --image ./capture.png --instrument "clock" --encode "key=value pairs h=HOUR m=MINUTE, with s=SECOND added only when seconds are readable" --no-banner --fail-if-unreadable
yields h=7 m=46 s=42
